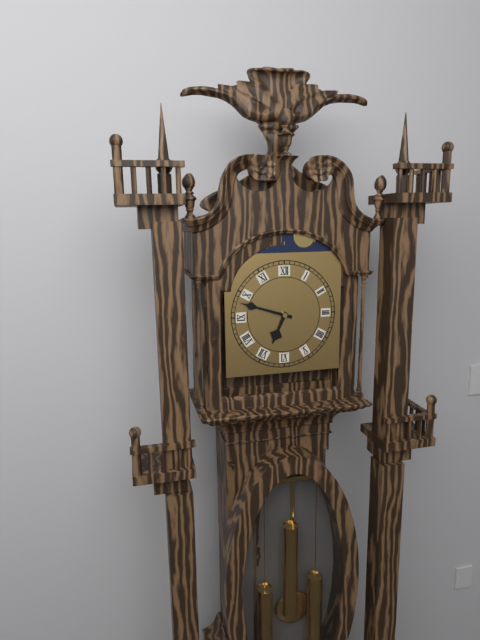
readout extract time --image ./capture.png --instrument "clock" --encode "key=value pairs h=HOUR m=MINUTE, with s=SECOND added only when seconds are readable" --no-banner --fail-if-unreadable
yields h=6 m=48
